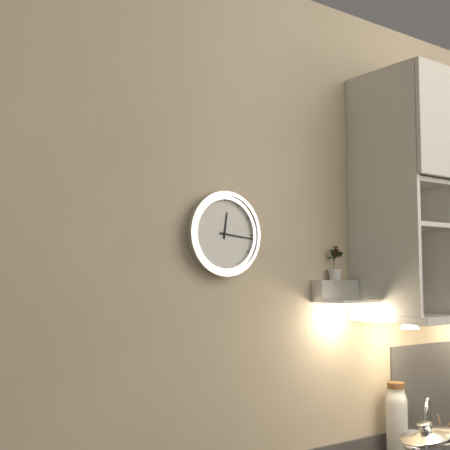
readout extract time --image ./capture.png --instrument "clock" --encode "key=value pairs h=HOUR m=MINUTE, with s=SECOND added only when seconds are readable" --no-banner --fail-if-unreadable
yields h=12 m=16
